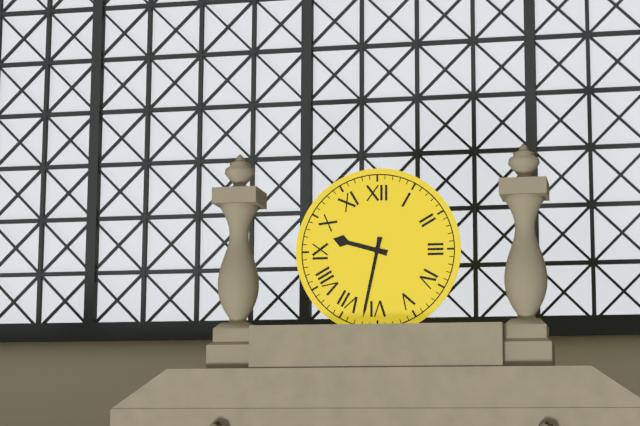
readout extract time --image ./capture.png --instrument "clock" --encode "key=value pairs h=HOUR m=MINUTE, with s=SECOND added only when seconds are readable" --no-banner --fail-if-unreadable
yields h=9 m=32
